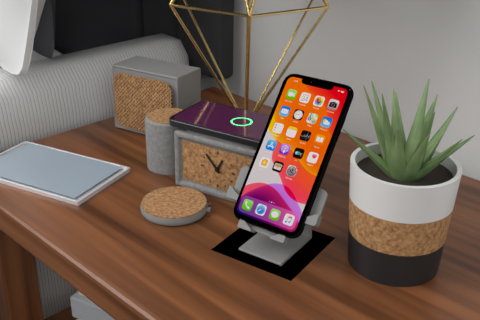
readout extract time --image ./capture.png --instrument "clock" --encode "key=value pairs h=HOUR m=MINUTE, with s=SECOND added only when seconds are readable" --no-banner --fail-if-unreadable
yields h=12 m=53
